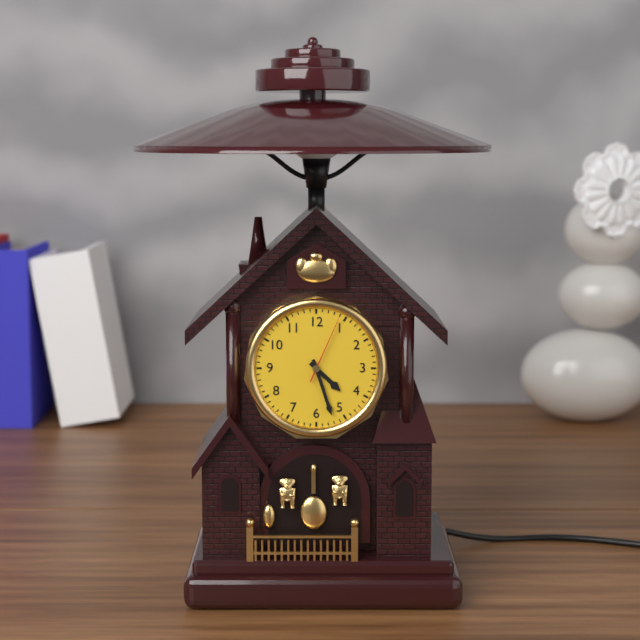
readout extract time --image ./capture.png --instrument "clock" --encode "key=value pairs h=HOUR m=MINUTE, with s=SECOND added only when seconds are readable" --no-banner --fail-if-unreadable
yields h=4 m=27 s=4
